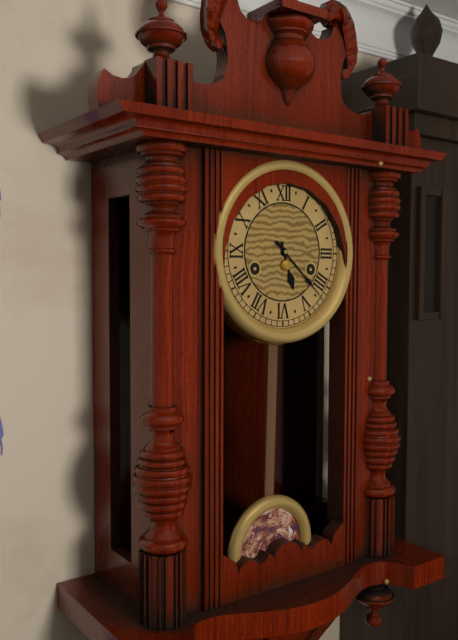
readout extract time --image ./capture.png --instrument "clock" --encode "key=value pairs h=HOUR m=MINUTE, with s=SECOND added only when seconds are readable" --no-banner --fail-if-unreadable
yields h=5 m=22
